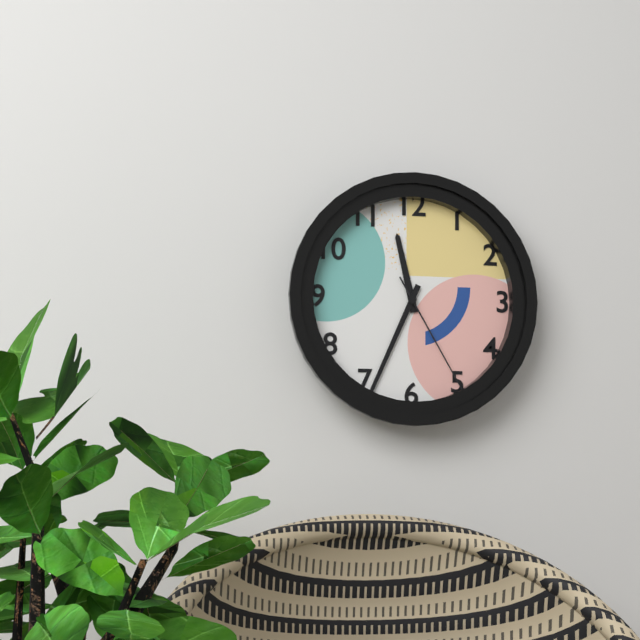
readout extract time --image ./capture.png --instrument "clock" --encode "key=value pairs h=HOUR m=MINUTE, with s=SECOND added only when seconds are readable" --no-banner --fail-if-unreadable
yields h=11 m=34 s=25
